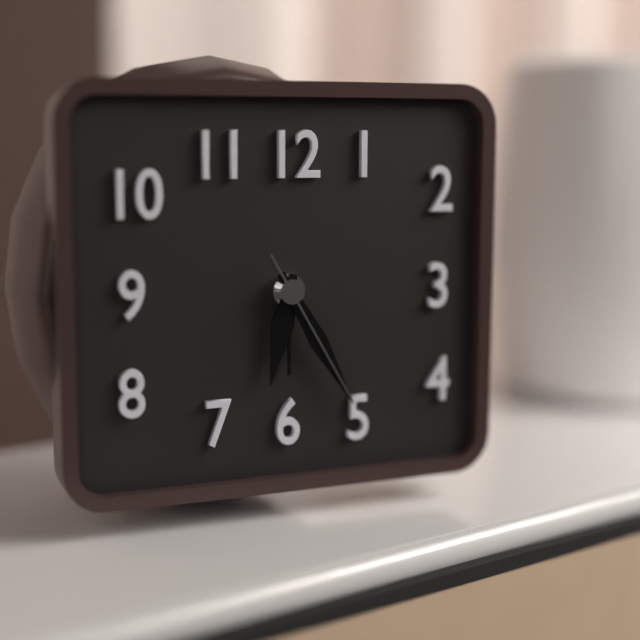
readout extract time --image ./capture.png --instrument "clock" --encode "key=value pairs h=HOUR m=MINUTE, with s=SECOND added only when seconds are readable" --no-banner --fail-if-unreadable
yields h=6 m=25 s=25
